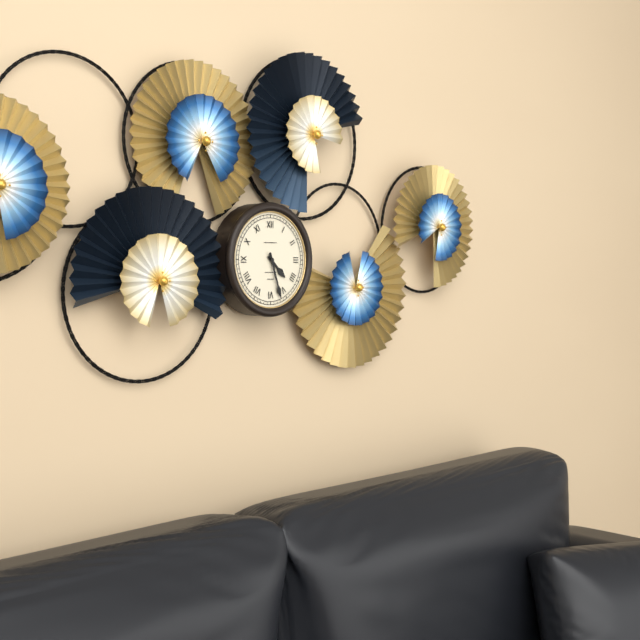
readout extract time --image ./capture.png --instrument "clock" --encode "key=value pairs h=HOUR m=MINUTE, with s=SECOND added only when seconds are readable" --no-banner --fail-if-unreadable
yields h=4 m=27
